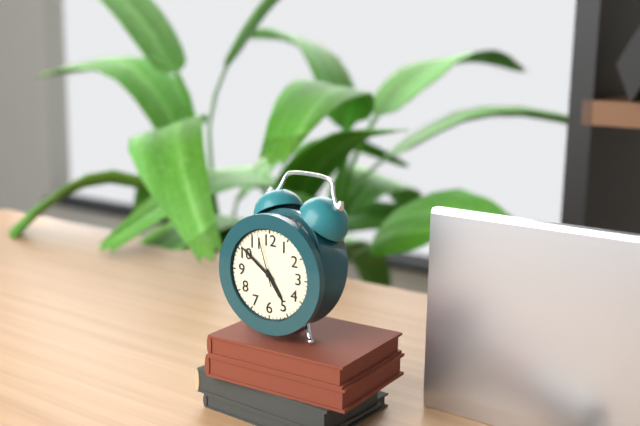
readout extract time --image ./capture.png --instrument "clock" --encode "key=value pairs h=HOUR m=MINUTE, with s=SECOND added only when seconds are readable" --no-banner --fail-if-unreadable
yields h=4 m=51 s=57
